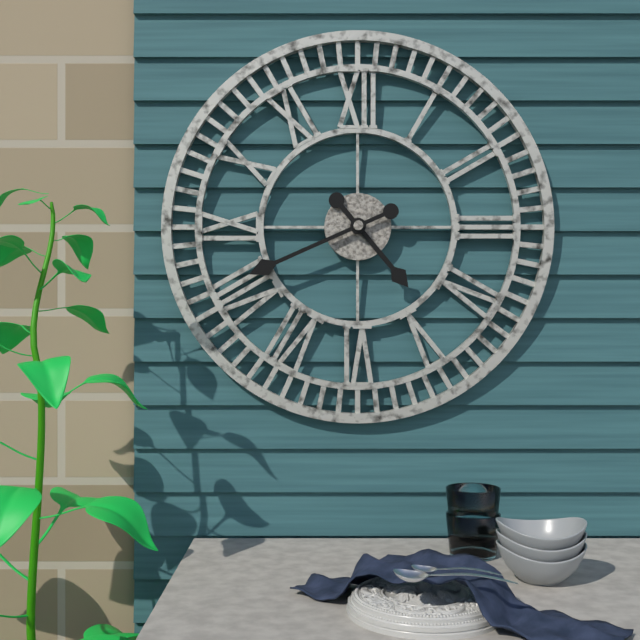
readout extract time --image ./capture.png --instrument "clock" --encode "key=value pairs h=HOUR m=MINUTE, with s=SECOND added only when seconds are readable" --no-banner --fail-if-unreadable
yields h=4 m=41
